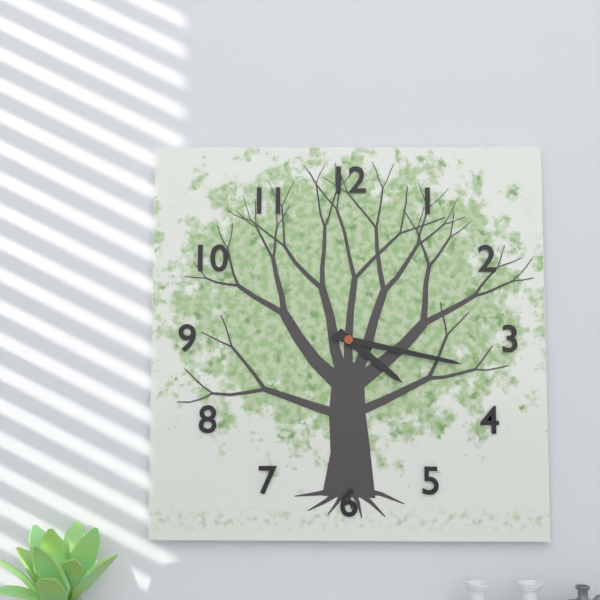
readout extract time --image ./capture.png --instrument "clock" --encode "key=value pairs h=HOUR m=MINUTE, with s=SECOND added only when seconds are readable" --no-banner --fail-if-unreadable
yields h=4 m=17
